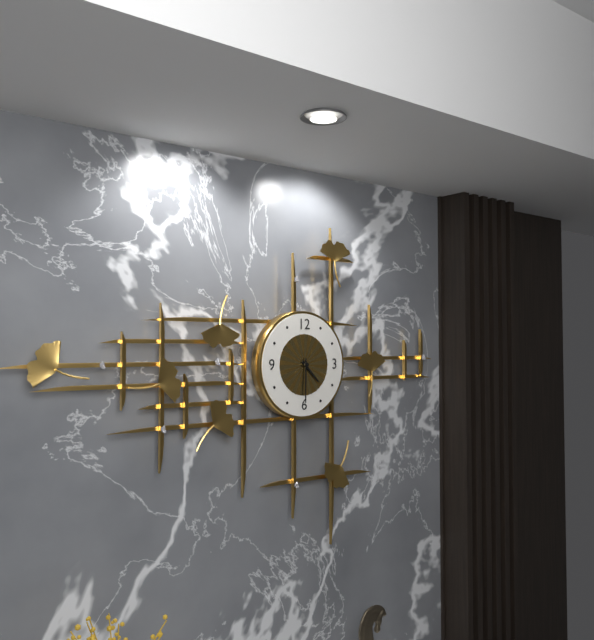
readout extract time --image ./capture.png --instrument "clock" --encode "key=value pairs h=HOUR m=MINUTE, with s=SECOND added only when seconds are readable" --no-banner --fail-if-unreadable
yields h=4 m=30
